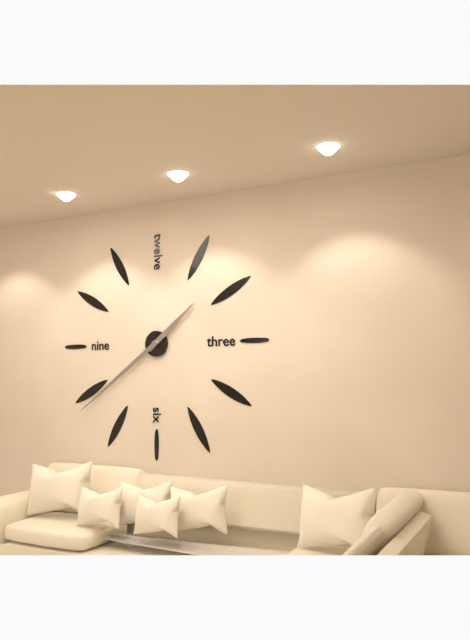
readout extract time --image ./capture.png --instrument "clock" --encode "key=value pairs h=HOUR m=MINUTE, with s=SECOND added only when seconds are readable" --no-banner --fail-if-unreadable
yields h=1 m=39
